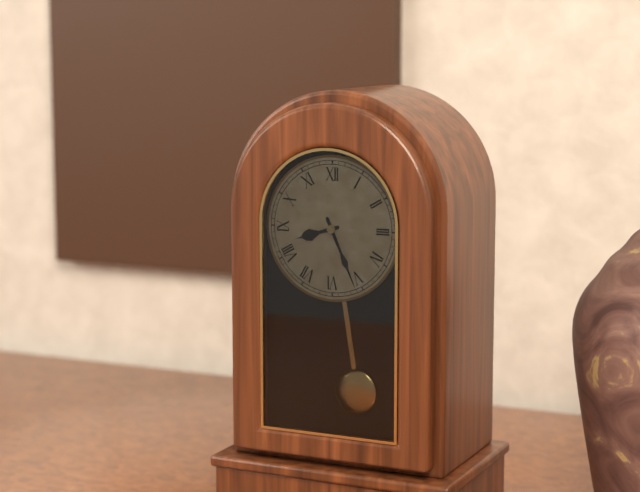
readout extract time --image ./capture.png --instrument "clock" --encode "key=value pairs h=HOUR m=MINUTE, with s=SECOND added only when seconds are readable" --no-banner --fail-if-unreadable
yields h=8 m=26
